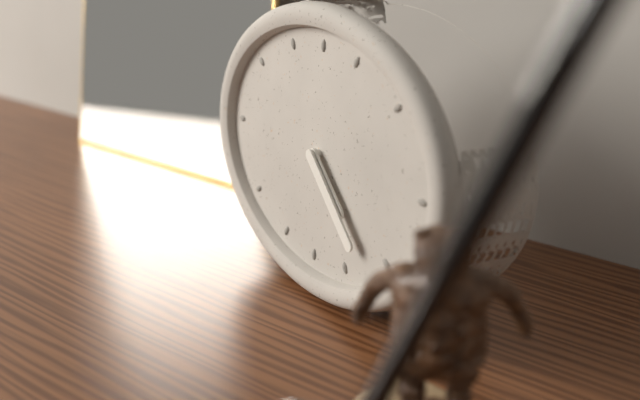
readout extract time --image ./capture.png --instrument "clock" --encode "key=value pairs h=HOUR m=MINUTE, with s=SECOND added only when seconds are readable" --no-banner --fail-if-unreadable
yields h=4 m=22
